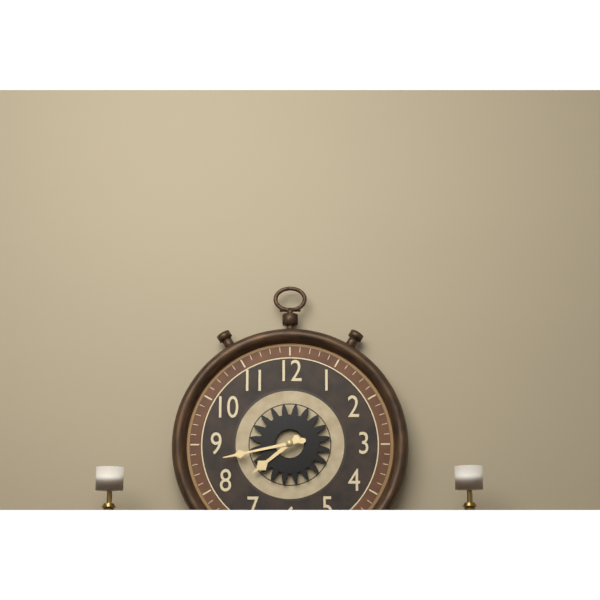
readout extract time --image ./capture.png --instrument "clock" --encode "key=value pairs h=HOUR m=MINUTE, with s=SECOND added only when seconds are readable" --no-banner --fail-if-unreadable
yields h=7 m=43
